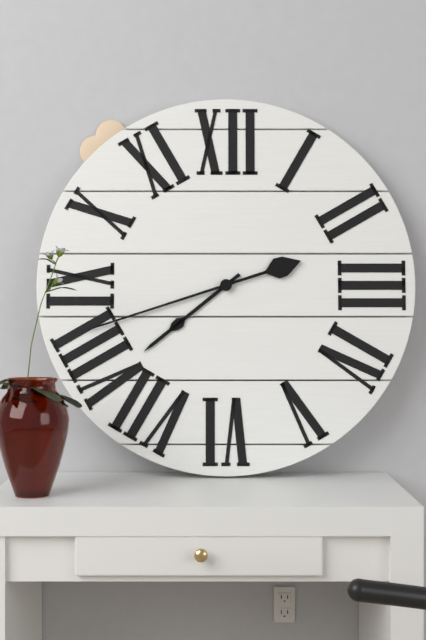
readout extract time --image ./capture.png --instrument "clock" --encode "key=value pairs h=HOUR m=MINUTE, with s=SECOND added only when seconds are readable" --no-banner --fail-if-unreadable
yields h=7 m=42
